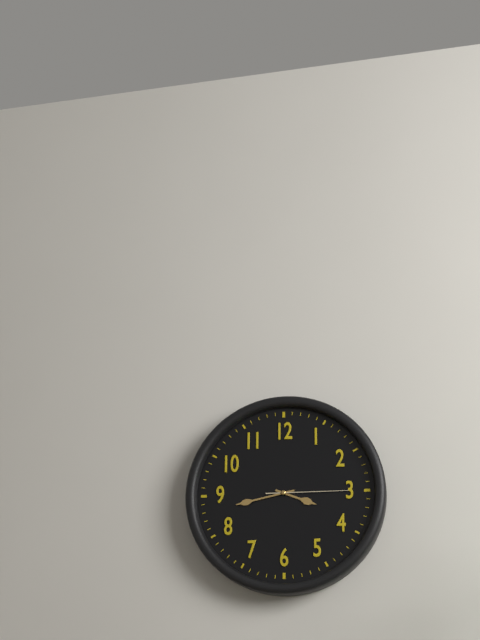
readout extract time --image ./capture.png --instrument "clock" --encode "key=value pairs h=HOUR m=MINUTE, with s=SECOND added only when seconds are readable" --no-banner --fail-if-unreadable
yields h=3 m=43 s=15
